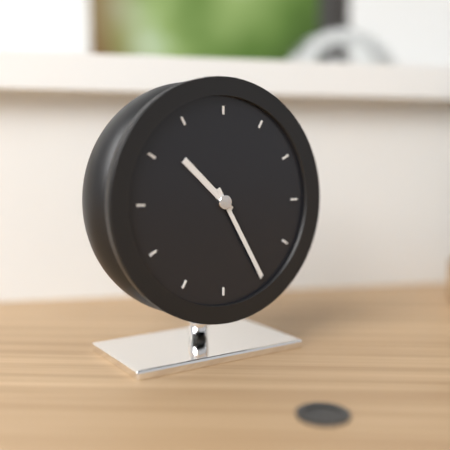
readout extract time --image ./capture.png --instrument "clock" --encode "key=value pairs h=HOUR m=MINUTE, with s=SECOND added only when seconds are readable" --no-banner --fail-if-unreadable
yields h=10 m=25
